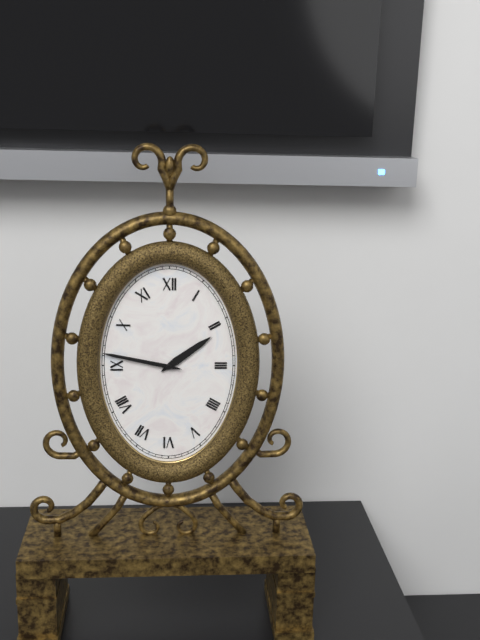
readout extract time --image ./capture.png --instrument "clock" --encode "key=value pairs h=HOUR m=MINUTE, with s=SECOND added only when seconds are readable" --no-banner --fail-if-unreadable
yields h=1 m=47
